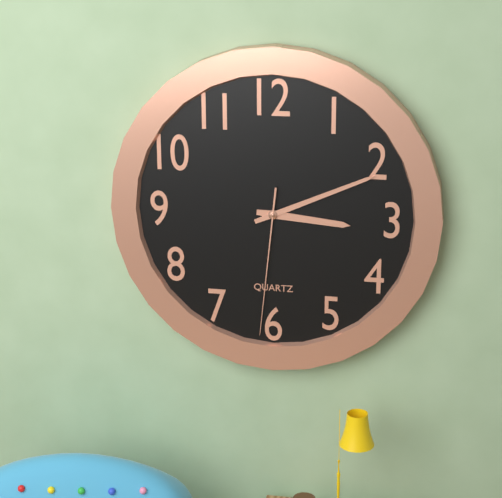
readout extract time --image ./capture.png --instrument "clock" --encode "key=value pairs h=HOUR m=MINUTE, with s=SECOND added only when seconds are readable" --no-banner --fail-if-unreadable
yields h=3 m=11 s=31
